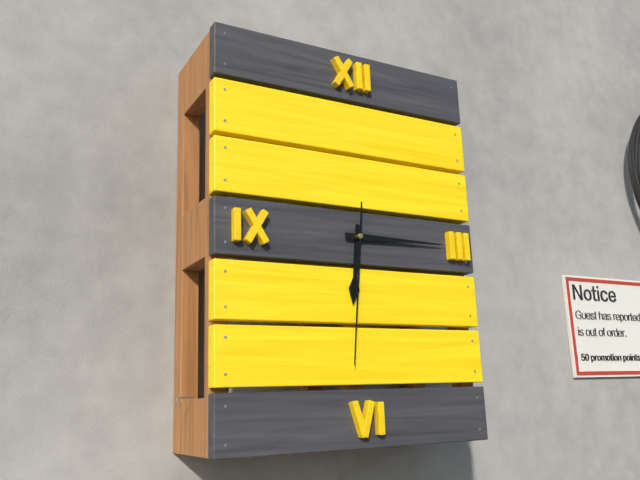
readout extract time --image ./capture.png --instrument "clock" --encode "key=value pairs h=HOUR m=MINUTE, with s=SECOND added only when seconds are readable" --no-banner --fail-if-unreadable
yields h=6 m=15 s=31
